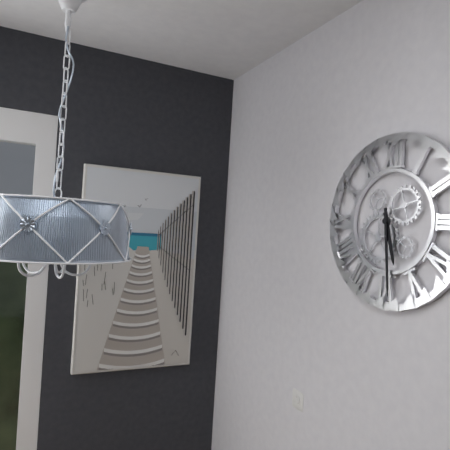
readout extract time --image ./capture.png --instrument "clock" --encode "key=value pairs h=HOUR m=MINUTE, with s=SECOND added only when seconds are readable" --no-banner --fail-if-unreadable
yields h=5 m=29
